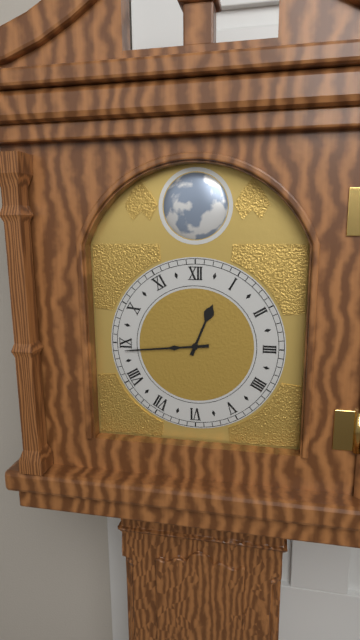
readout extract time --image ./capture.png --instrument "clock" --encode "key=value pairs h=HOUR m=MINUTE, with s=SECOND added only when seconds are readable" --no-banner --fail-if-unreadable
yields h=12 m=44
